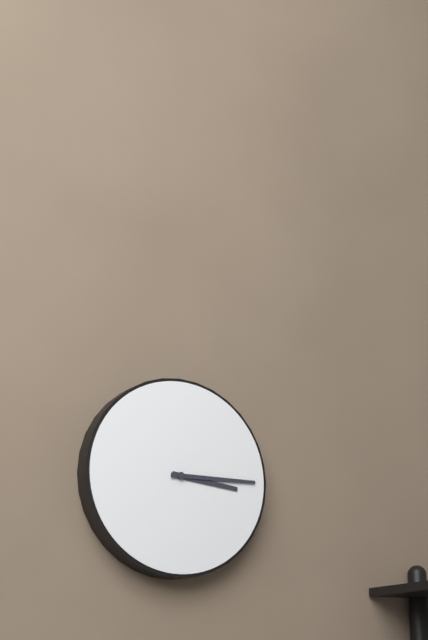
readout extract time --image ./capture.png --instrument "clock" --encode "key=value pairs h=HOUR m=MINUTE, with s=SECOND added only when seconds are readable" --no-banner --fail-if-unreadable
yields h=3 m=15
